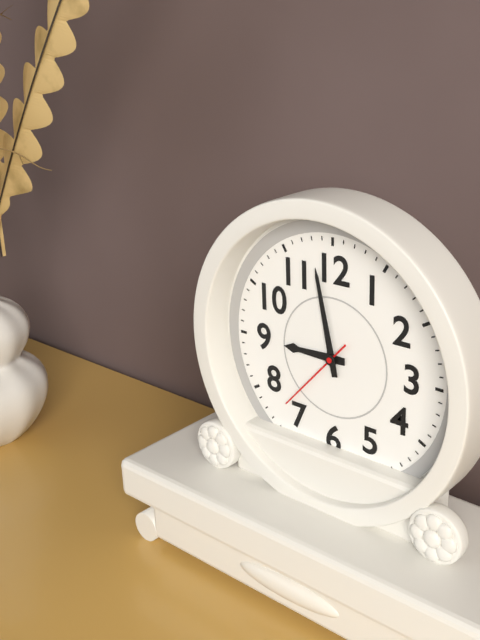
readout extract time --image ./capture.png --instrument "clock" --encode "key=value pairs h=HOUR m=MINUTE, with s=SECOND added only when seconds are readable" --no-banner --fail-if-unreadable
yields h=8 m=58 s=37
